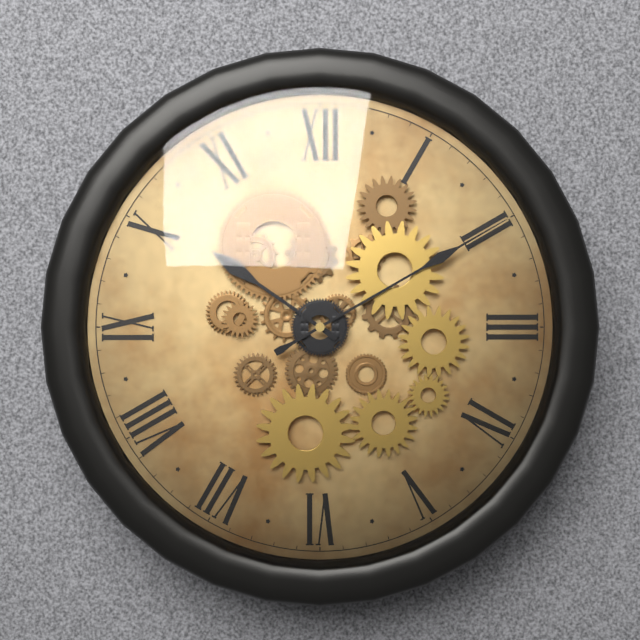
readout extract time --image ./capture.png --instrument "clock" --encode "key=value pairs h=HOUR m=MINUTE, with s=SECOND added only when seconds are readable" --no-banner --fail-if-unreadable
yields h=10 m=10
